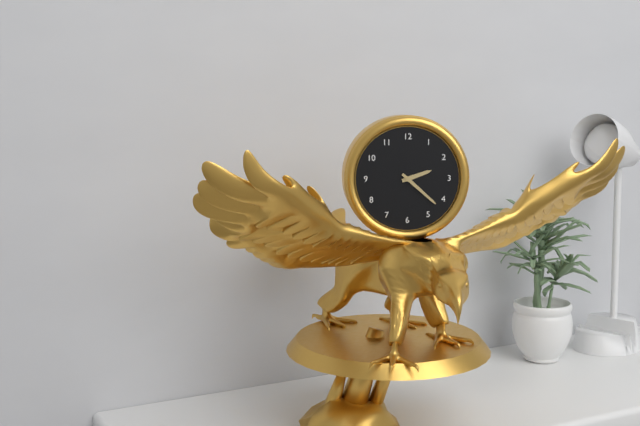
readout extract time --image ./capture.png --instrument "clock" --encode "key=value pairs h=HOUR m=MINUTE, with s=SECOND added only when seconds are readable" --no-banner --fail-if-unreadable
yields h=2 m=22
